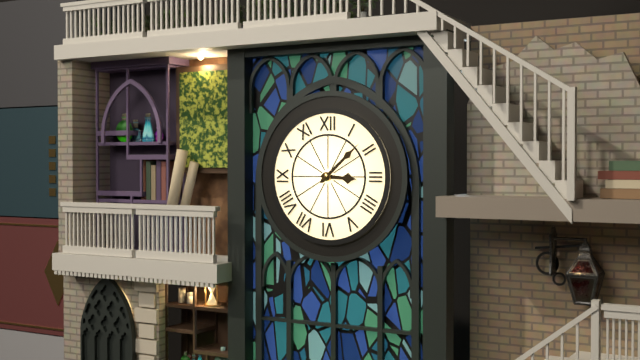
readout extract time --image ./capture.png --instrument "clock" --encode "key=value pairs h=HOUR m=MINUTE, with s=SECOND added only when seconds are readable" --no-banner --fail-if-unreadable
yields h=3 m=8
